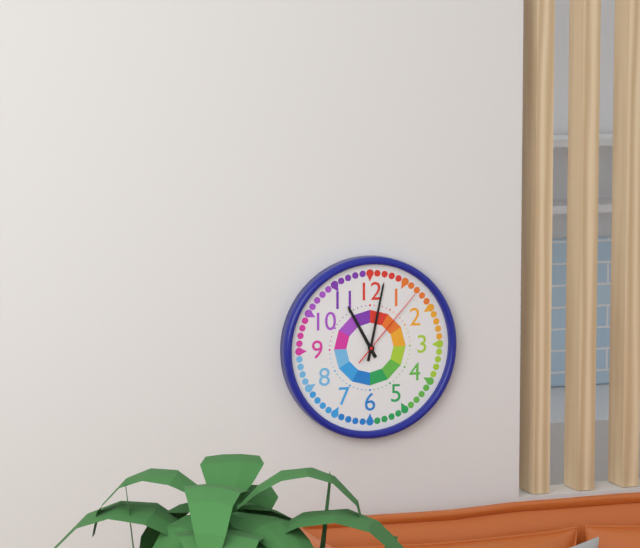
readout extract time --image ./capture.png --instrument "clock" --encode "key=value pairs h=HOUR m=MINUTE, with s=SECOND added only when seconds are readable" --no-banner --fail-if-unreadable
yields h=11 m=2 s=7
